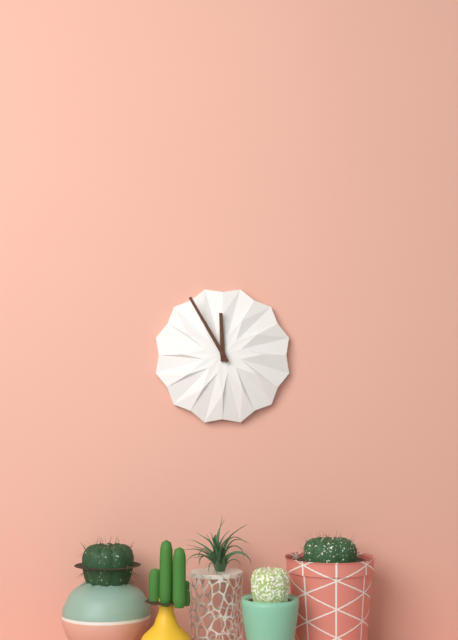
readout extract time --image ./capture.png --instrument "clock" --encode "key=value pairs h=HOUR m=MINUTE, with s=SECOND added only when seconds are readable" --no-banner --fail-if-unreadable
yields h=11 m=55
